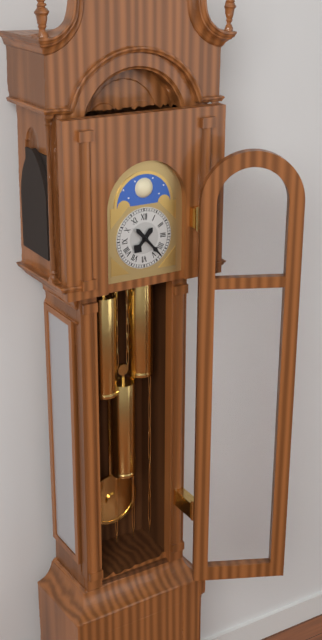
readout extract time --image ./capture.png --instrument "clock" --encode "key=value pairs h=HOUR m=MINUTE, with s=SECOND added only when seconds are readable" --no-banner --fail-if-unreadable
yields h=7 m=23
